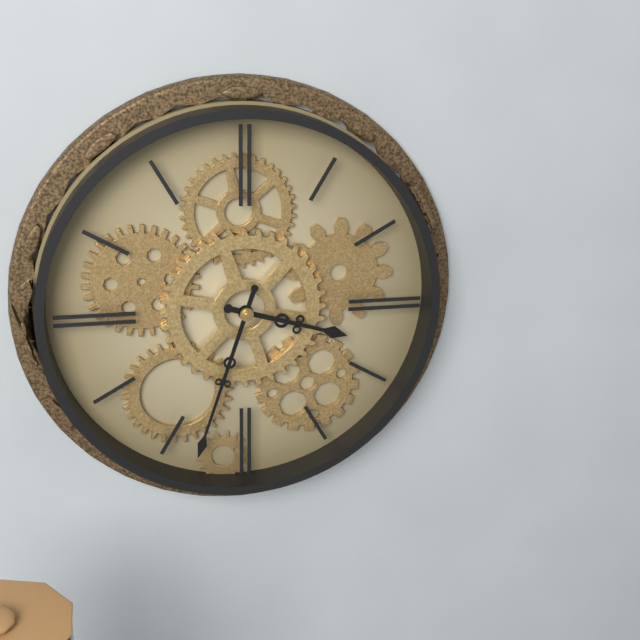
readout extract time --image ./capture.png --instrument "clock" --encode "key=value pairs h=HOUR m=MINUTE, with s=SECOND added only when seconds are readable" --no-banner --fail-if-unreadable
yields h=3 m=33
